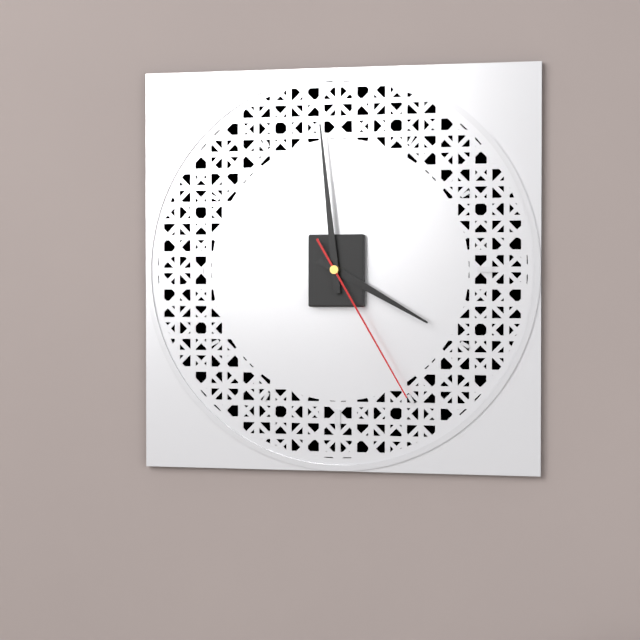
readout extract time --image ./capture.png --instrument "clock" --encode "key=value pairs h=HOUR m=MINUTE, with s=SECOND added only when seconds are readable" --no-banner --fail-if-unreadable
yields h=3 m=59 s=25
